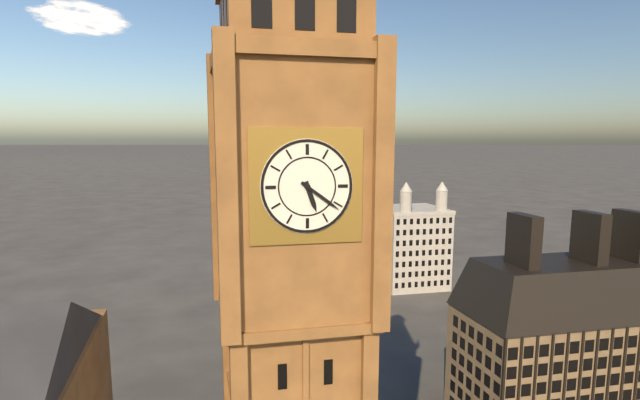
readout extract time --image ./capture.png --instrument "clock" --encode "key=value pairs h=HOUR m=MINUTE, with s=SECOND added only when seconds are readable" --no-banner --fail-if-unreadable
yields h=5 m=21
